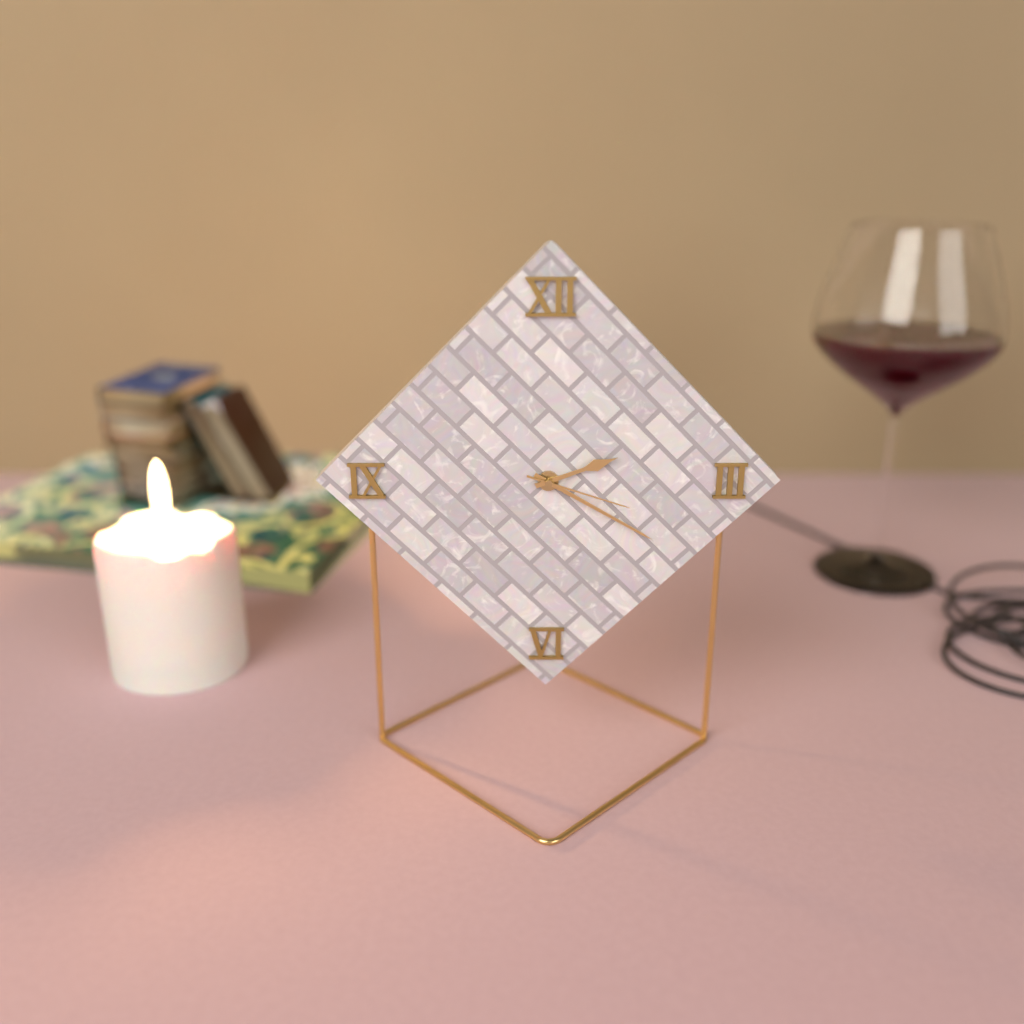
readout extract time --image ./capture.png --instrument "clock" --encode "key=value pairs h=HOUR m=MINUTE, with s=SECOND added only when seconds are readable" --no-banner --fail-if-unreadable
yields h=2 m=20 s=18
